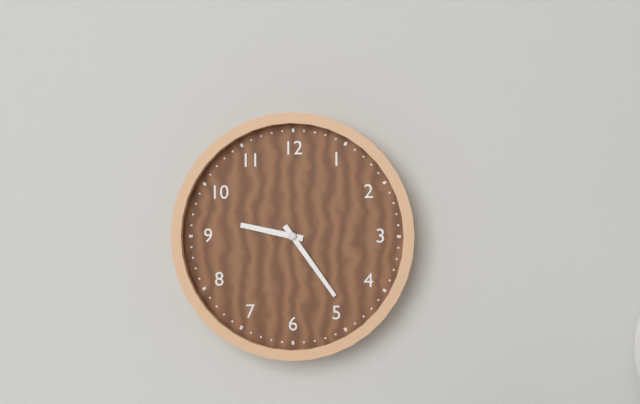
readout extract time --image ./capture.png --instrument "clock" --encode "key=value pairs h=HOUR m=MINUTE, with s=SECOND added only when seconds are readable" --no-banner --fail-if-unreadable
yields h=9 m=24
